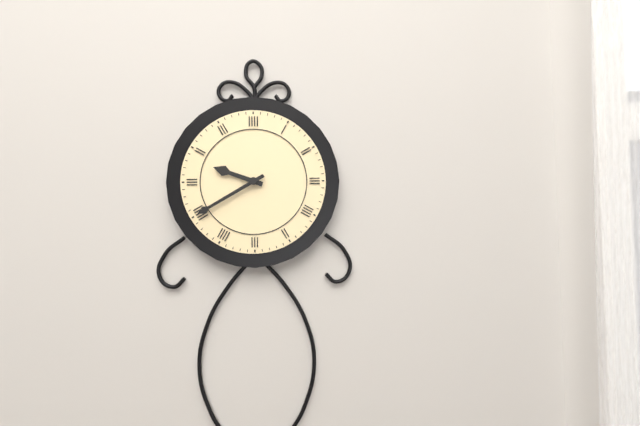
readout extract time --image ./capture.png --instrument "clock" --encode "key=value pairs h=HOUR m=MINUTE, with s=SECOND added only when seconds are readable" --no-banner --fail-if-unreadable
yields h=9 m=40
